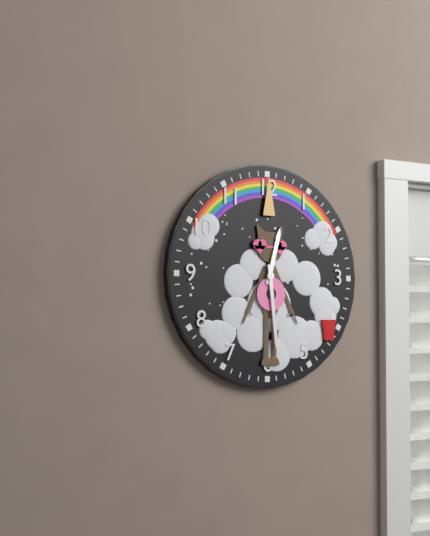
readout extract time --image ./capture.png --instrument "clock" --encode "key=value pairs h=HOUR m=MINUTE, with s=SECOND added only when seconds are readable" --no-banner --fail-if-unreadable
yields h=12 m=29
